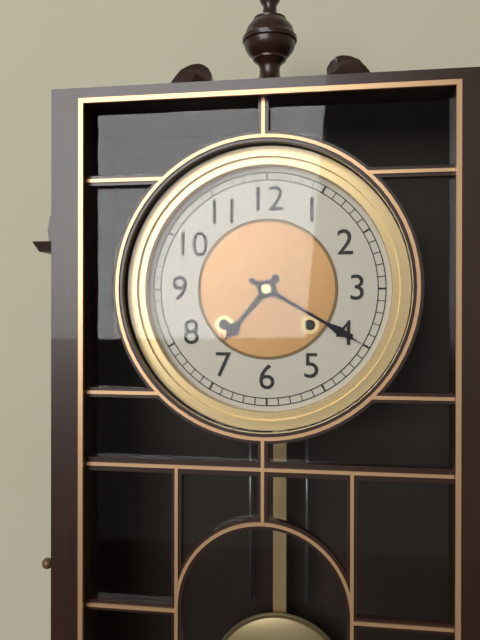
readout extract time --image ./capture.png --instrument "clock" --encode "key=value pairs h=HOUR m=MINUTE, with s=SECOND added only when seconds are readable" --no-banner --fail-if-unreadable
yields h=7 m=20
